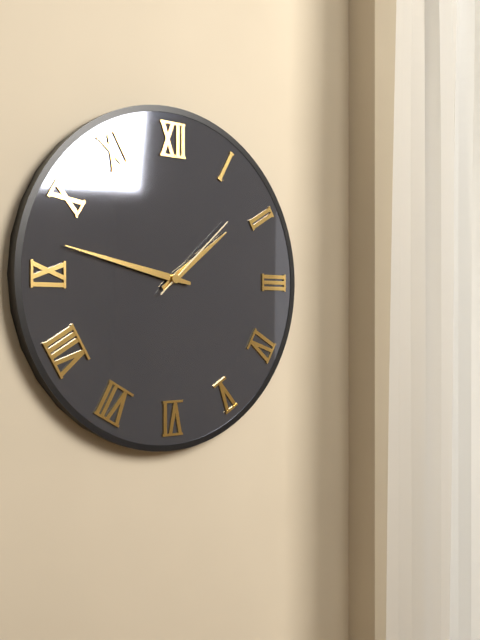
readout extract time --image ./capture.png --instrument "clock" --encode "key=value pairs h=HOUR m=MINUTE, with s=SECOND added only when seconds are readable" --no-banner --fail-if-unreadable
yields h=1 m=47 s=8
